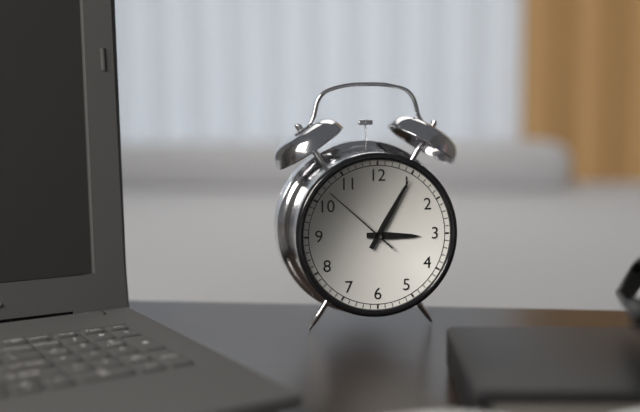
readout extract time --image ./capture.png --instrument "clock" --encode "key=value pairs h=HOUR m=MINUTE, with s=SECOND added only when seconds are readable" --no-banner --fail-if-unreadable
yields h=3 m=5 s=52
